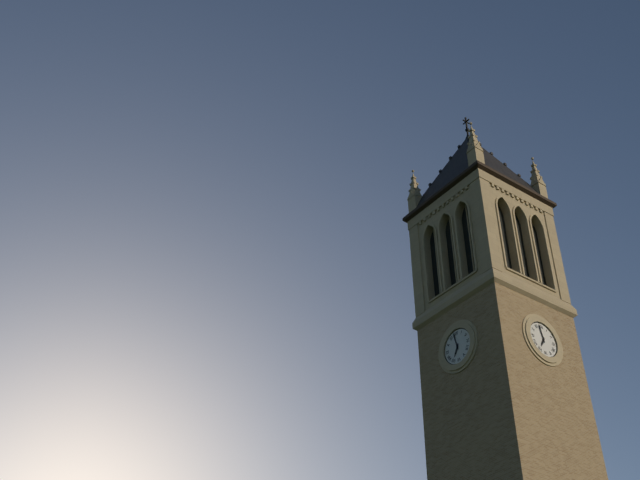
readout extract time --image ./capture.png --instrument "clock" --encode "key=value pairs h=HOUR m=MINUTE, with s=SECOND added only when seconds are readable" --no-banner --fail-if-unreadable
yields h=6 m=58
